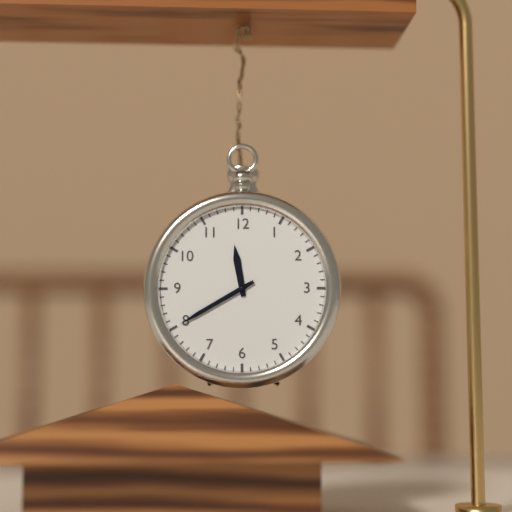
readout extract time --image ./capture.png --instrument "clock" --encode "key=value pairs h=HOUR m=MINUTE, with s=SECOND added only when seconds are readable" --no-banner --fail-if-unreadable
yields h=11 m=40
